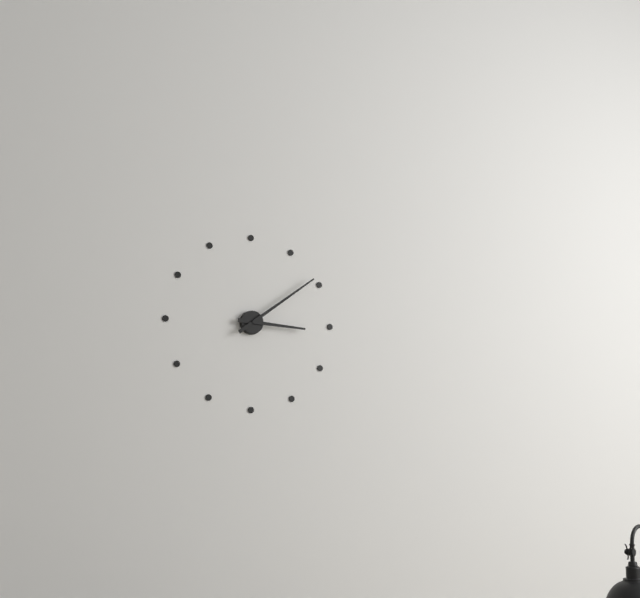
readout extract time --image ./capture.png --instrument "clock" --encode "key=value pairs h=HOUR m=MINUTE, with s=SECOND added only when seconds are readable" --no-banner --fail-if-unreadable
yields h=3 m=9
